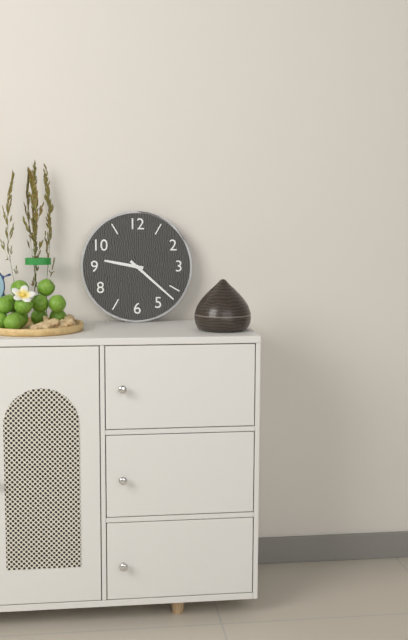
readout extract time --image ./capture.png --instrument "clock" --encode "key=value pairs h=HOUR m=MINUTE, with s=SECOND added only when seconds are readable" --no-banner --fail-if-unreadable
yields h=9 m=22
